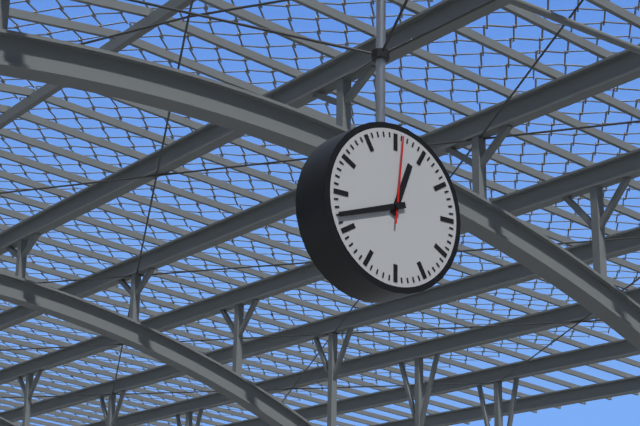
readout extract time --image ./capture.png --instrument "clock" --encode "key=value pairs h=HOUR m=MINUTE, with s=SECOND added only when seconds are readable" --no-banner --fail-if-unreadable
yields h=12 m=42 s=1
